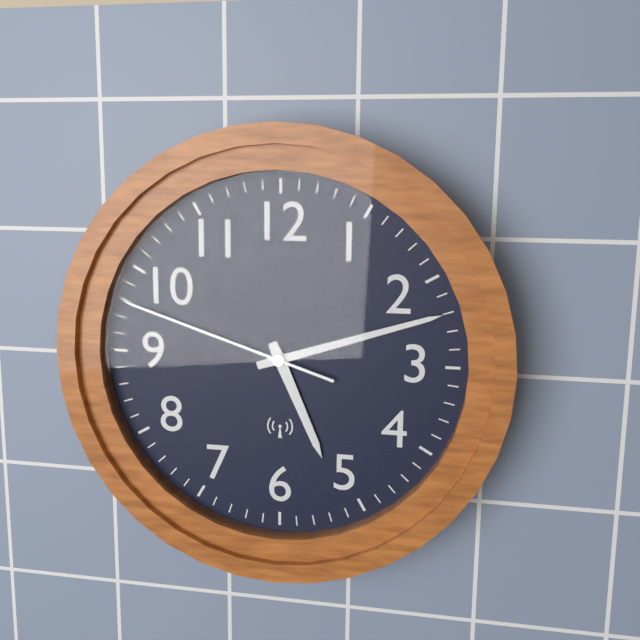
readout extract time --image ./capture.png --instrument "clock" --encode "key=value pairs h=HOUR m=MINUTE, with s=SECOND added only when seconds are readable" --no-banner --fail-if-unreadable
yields h=5 m=12 s=48
